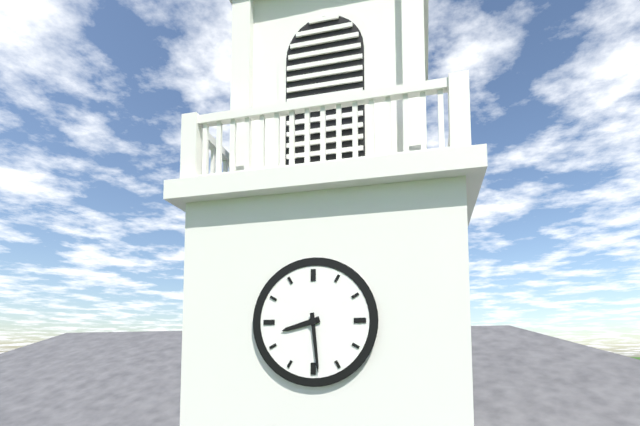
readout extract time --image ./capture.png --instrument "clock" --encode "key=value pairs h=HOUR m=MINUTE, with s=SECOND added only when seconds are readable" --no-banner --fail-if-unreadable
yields h=8 m=29
